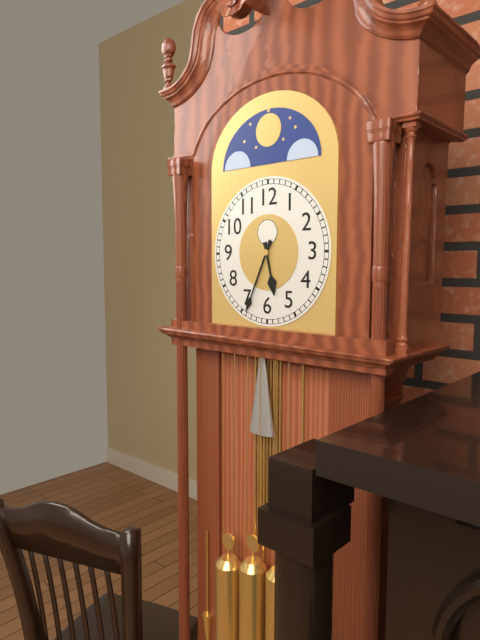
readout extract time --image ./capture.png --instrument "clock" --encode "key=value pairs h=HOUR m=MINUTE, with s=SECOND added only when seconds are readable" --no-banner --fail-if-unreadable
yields h=5 m=34
